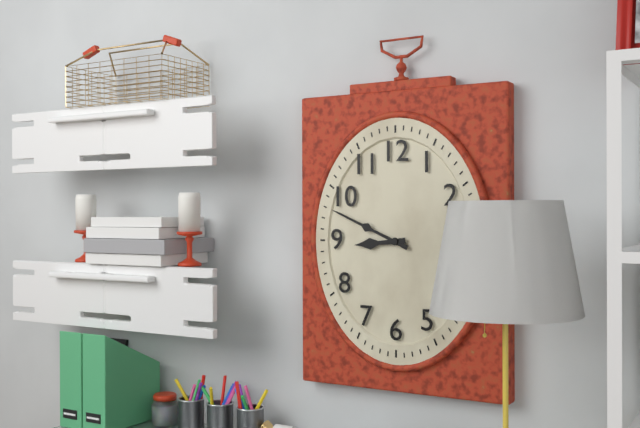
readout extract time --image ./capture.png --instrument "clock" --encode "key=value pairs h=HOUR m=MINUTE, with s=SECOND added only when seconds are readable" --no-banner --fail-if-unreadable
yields h=8 m=49
